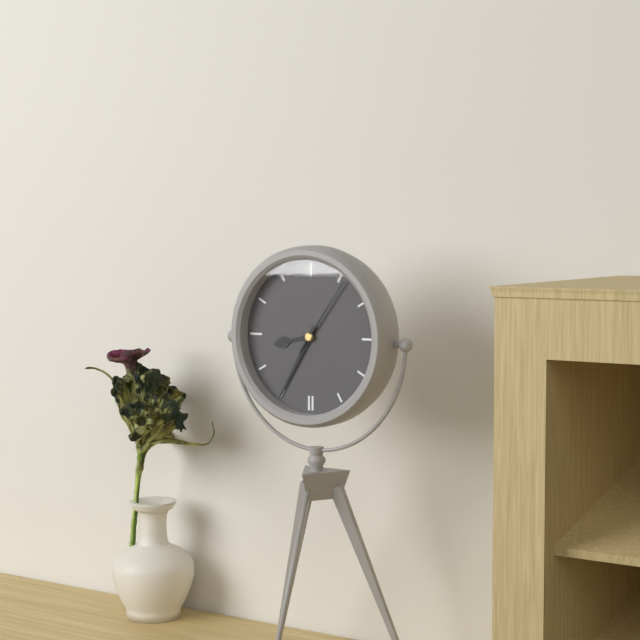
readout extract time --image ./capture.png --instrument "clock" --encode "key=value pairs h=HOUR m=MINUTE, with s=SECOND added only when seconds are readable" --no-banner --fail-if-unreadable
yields h=8 m=35 s=6
